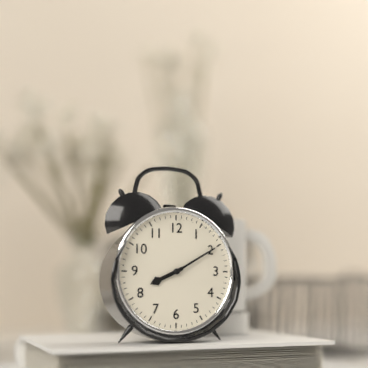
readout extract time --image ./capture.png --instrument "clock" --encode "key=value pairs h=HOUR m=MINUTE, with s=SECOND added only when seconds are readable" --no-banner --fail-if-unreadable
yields h=8 m=10
